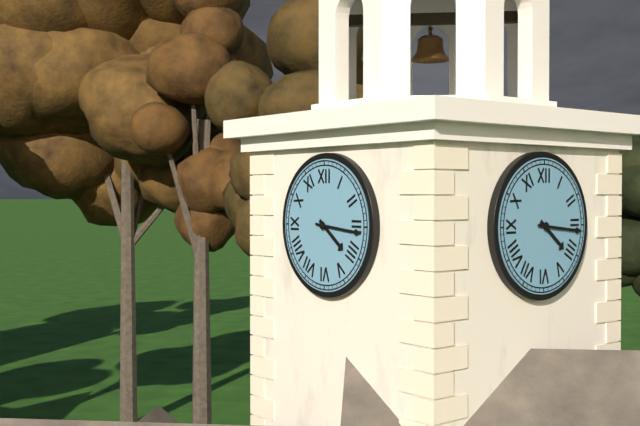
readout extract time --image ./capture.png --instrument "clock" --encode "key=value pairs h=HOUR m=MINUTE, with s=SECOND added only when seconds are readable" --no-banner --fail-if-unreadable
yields h=4 m=16
